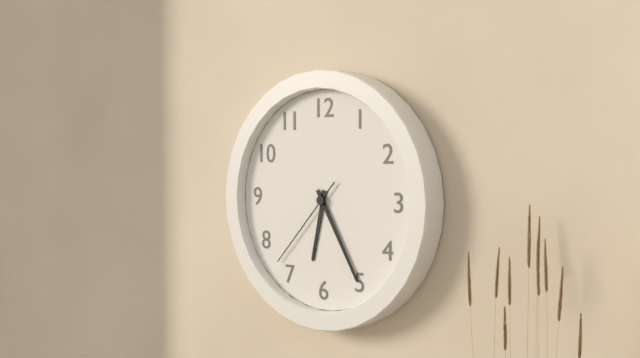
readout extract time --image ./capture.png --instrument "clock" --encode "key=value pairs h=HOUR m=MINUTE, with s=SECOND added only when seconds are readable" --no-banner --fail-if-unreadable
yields h=6 m=25 s=37
